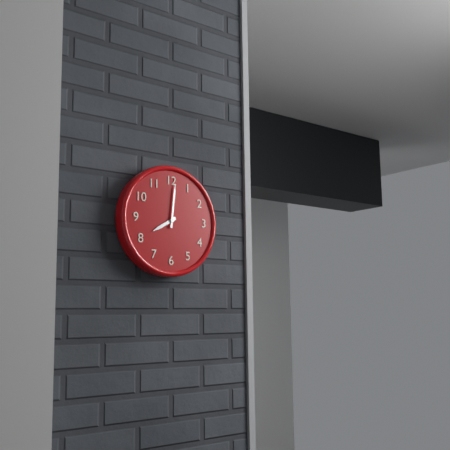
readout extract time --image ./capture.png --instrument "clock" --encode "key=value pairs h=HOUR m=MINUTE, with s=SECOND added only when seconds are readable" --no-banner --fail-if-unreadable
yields h=8 m=1
